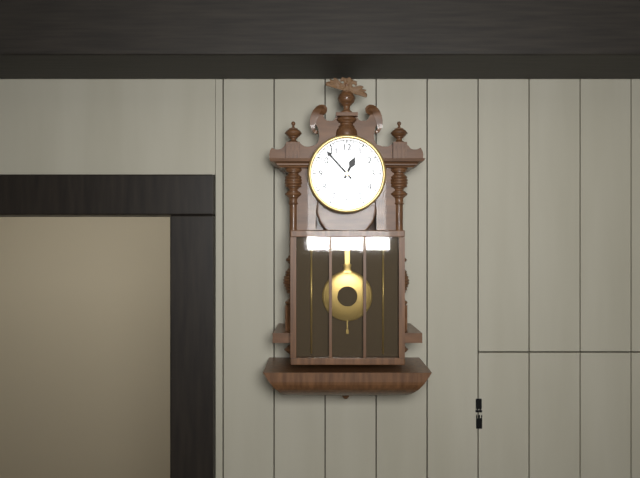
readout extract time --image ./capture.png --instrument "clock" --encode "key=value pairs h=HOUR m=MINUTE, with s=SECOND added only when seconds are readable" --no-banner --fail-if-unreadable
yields h=12 m=53
